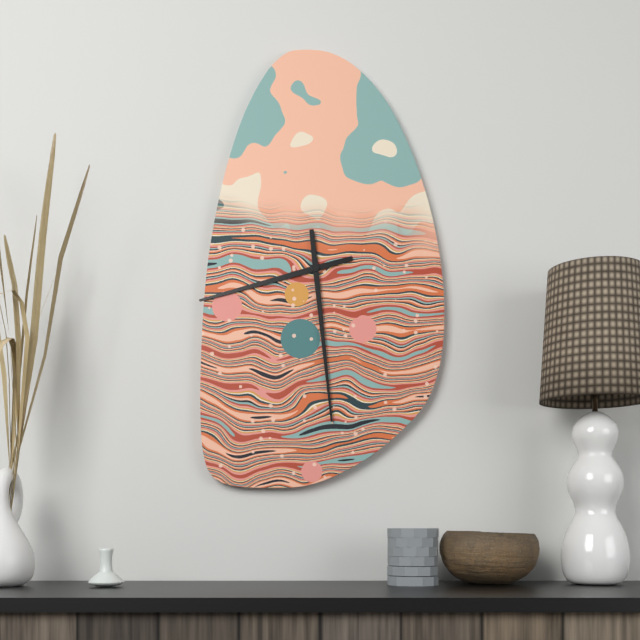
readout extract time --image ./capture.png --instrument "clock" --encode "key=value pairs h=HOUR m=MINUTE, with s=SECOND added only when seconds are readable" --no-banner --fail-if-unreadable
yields h=8 m=29
